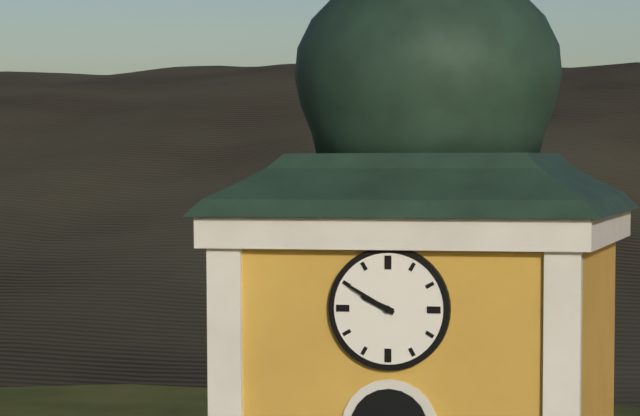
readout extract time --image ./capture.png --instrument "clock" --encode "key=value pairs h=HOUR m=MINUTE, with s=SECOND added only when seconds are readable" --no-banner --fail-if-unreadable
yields h=9 m=50
